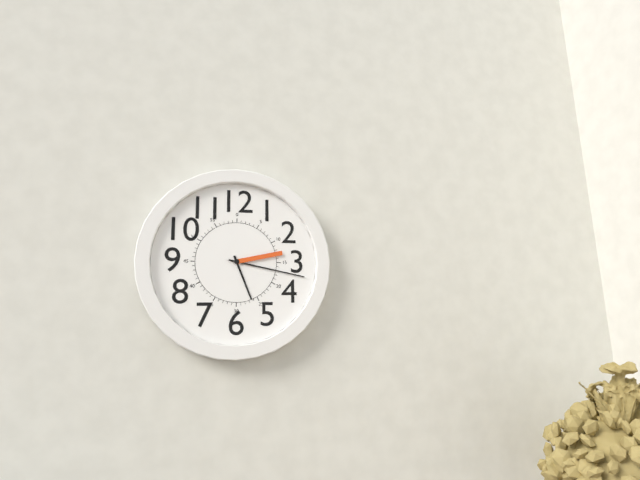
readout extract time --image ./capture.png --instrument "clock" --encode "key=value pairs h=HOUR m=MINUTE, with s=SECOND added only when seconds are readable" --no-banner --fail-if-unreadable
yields h=5 m=17 s=13
